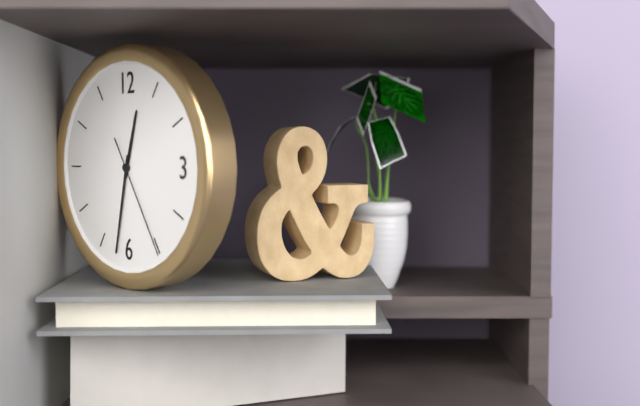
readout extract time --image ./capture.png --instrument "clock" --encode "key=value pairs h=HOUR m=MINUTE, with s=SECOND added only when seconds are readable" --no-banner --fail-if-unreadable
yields h=12 m=32 s=25
